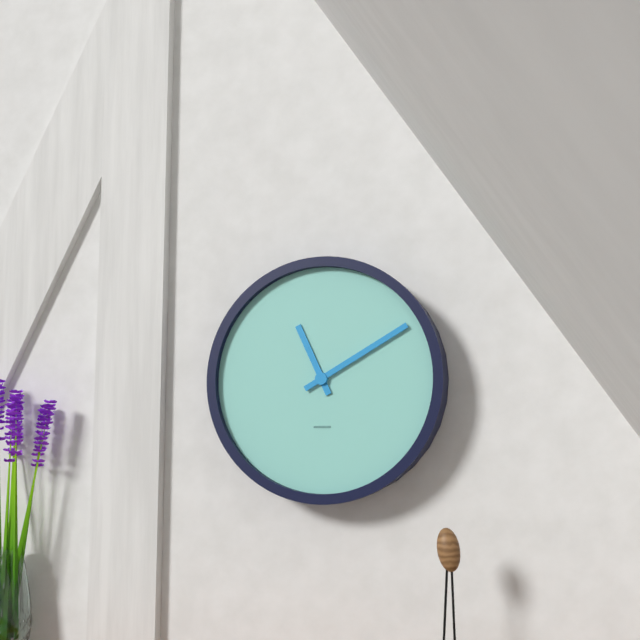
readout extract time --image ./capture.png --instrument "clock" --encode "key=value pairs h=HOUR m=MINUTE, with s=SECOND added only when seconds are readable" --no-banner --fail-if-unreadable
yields h=11 m=10
